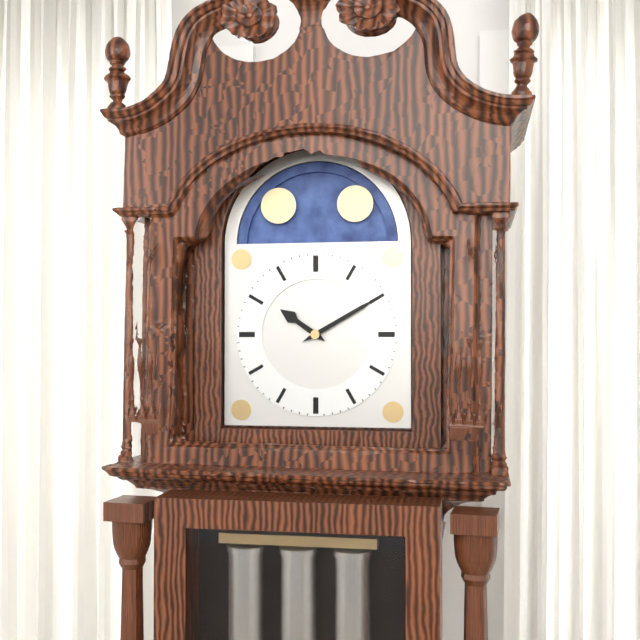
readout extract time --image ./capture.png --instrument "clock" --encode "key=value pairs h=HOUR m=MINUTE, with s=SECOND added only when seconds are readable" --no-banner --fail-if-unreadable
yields h=10 m=10
